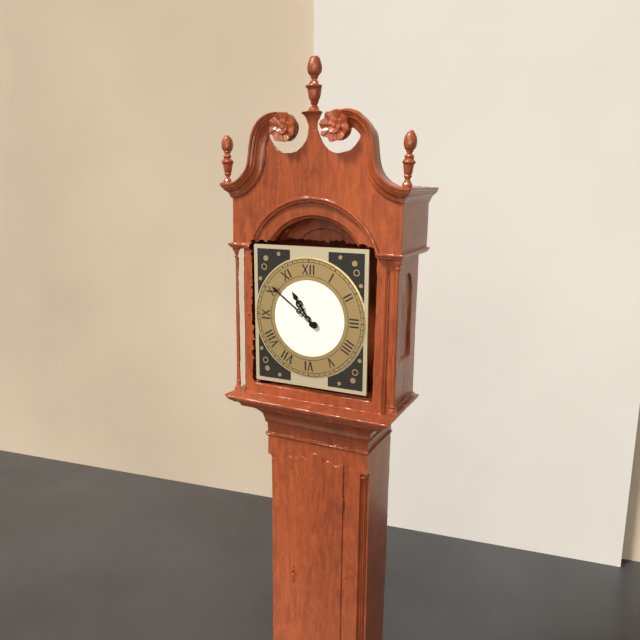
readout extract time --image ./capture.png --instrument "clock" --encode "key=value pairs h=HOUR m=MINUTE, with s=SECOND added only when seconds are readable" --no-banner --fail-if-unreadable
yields h=10 m=51
